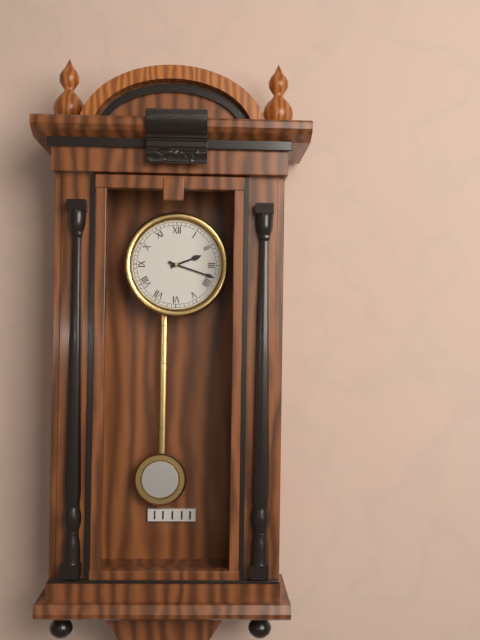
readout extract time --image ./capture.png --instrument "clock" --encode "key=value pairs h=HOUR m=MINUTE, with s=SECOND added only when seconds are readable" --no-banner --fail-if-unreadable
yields h=2 m=18
